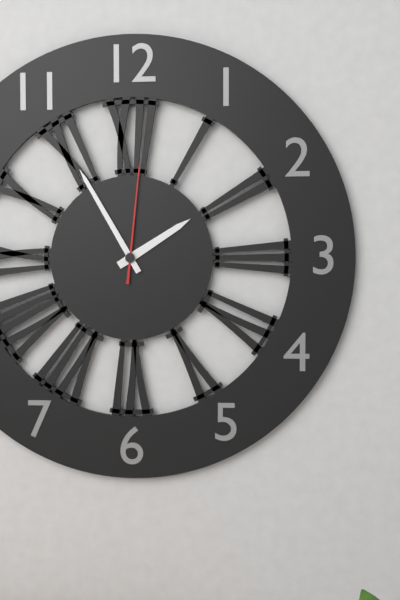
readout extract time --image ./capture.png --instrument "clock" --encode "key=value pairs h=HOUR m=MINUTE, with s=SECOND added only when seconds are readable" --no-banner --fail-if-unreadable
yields h=1 m=55 s=1
